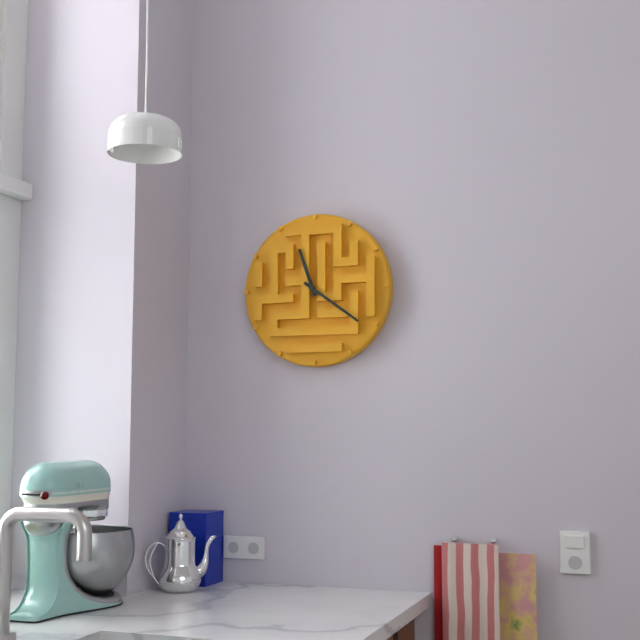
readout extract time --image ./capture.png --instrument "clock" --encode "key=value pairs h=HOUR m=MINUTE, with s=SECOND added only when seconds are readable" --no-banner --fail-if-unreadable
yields h=11 m=21
